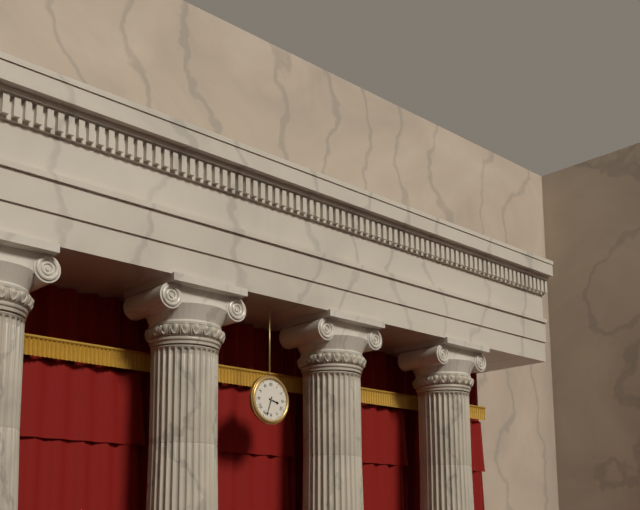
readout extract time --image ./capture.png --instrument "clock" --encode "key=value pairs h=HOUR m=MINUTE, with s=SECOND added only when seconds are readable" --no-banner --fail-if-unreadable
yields h=3 m=33
